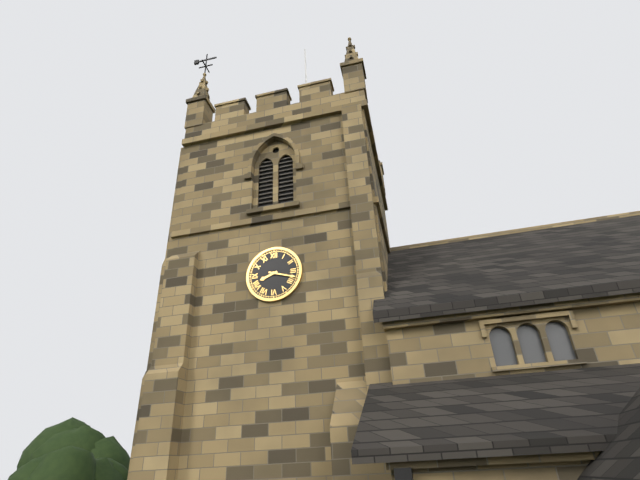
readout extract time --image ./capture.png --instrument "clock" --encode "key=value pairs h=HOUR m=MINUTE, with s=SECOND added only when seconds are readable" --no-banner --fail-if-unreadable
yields h=8 m=18
